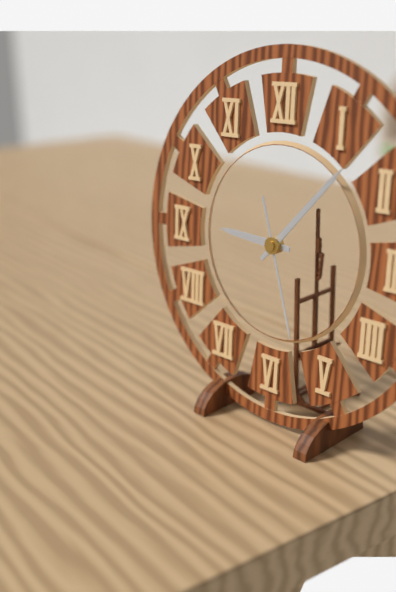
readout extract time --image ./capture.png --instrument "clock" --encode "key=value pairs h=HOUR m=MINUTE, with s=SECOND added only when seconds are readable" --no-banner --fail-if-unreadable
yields h=9 m=7 s=27
